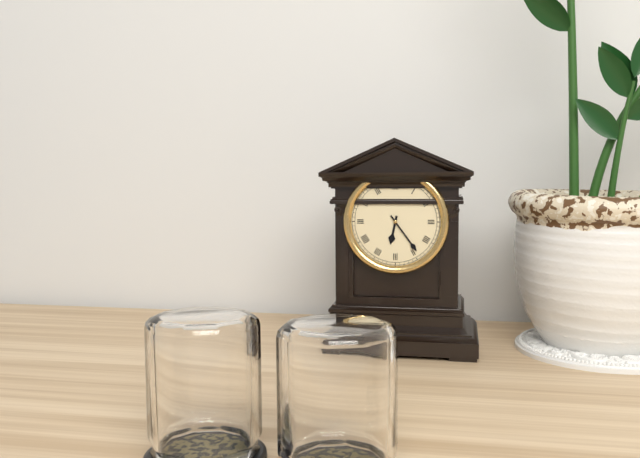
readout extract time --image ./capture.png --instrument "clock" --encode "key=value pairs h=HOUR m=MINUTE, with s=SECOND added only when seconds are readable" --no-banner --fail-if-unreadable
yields h=6 m=24
